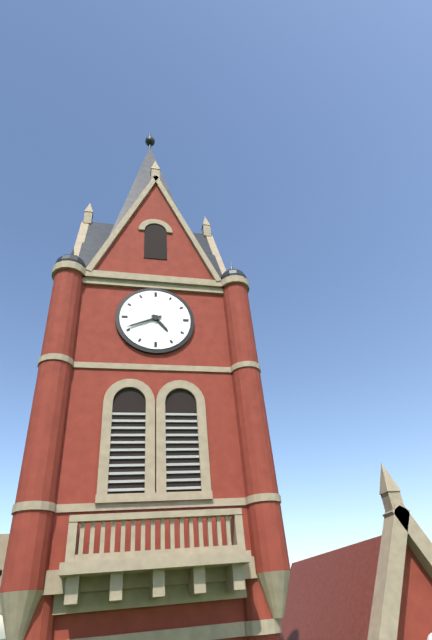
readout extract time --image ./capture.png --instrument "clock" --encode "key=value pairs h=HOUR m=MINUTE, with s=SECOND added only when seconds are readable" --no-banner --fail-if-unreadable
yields h=4 m=41
